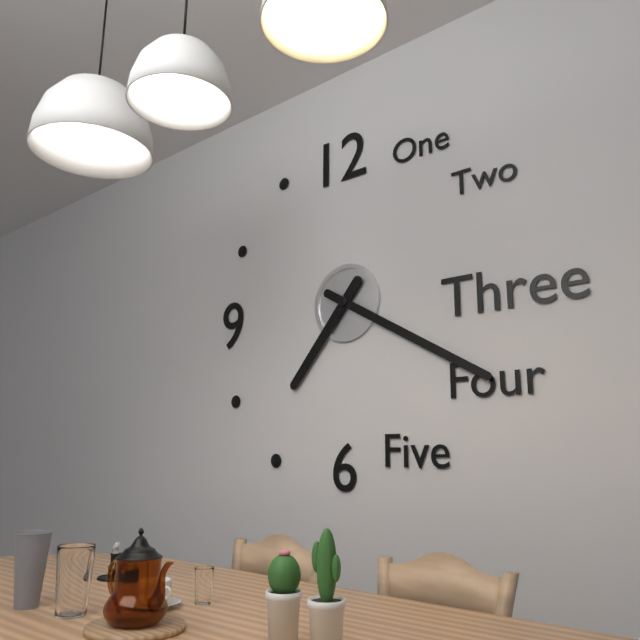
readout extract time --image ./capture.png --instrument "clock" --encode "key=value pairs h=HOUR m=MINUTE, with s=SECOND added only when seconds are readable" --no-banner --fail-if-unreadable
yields h=7 m=20
